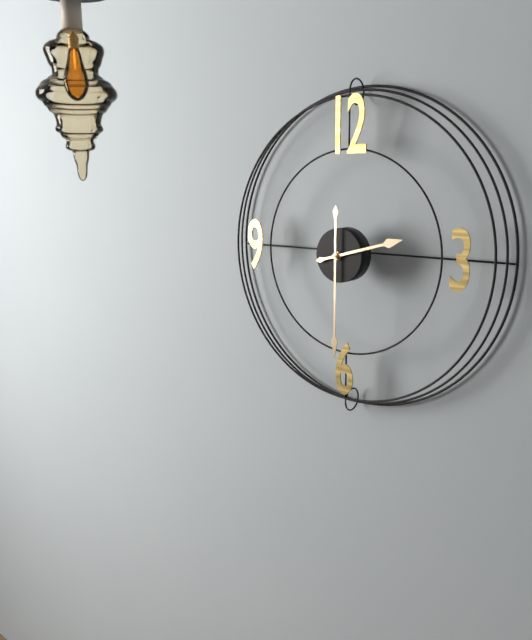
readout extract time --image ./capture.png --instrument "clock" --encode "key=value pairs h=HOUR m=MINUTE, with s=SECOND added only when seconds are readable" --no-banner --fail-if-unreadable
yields h=2 m=30
